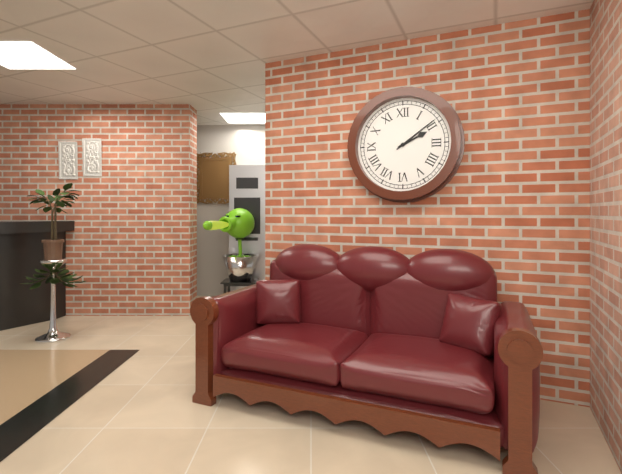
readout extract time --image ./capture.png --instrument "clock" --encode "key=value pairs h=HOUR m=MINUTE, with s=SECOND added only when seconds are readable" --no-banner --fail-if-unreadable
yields h=2 m=9
